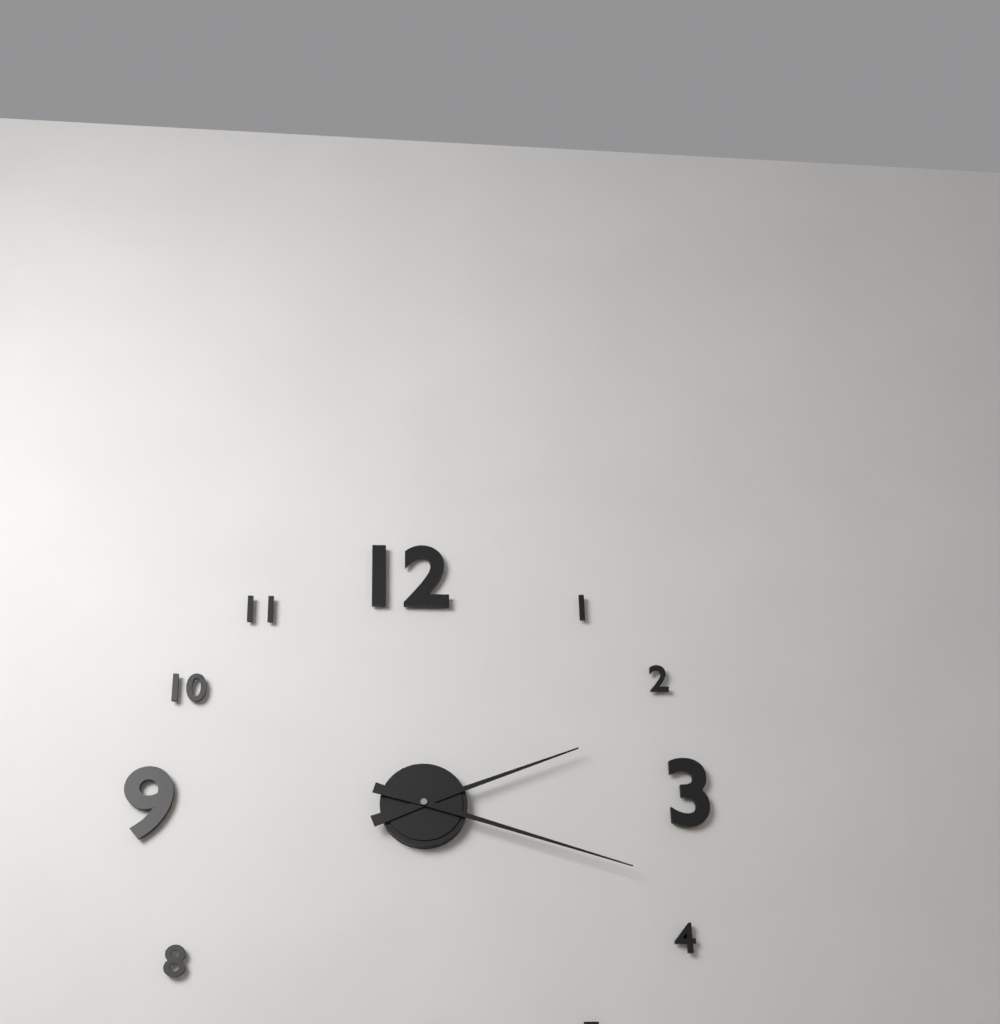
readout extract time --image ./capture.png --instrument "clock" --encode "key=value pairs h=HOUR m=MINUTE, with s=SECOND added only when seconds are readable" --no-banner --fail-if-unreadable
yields h=2 m=18
